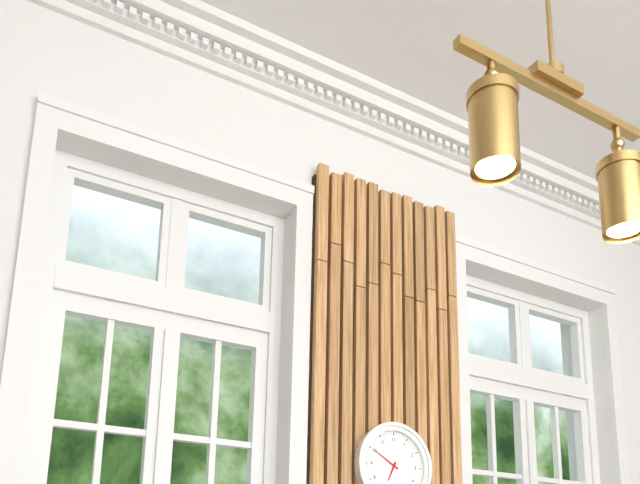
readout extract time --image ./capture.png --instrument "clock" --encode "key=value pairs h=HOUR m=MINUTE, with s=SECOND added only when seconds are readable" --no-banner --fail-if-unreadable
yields h=6 m=50
